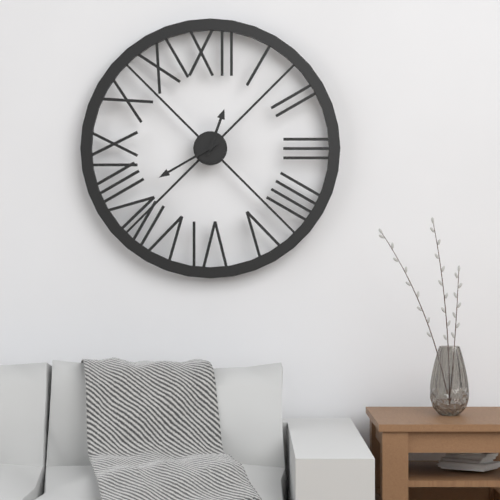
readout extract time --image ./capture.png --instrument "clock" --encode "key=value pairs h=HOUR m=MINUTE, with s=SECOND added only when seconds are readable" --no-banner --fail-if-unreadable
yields h=12 m=40
